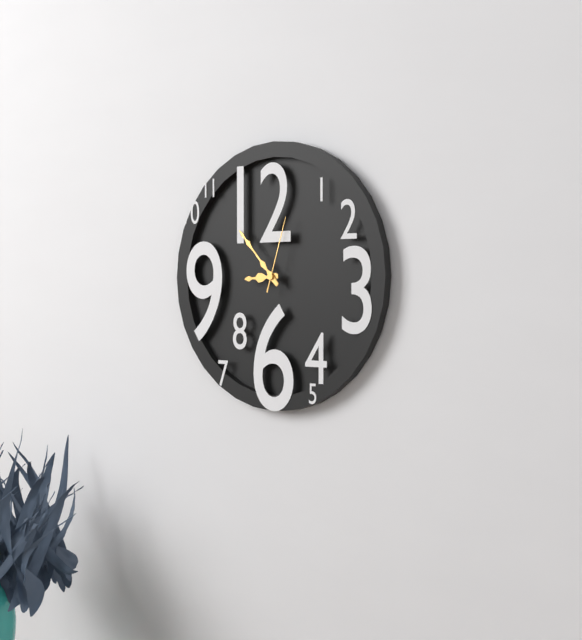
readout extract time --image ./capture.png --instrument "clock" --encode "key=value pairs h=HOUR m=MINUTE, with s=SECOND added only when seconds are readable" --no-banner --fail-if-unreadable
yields h=8 m=53 s=3
